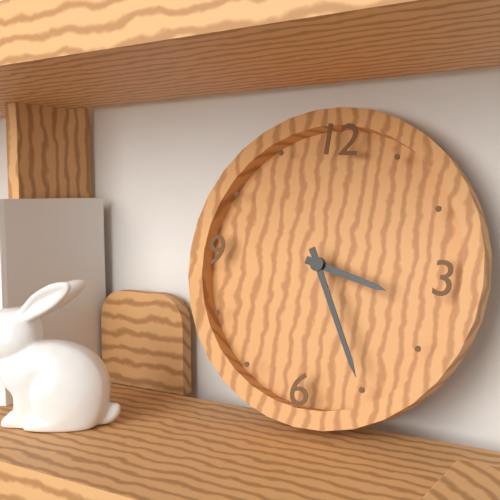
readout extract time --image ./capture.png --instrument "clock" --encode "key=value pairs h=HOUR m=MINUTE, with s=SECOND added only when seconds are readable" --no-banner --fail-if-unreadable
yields h=3 m=25
